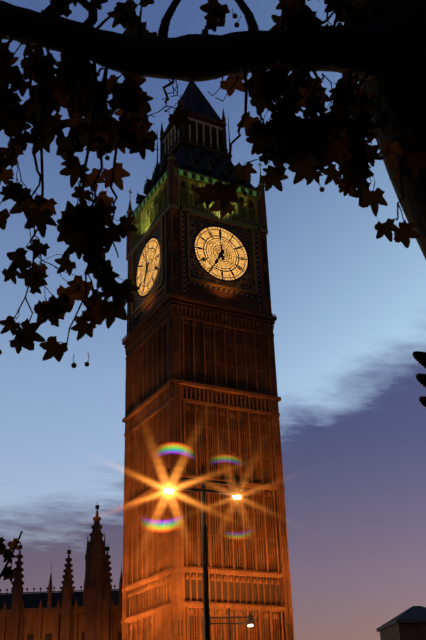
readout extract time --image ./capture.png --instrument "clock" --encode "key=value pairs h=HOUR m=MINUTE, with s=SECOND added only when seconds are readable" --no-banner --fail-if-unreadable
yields h=6 m=59
